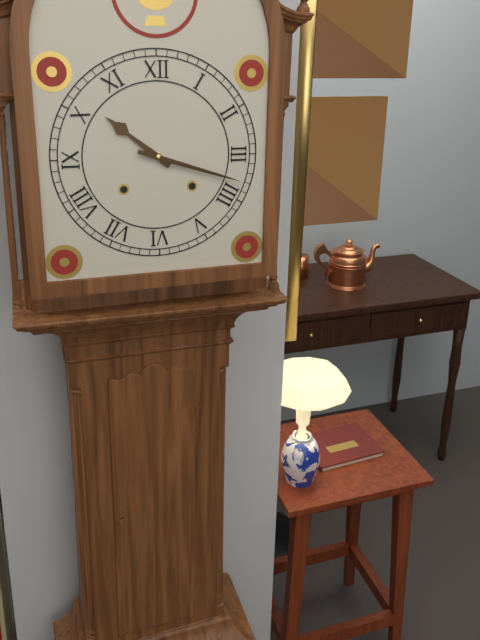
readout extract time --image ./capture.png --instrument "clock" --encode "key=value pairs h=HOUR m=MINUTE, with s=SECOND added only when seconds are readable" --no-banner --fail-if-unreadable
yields h=10 m=18
